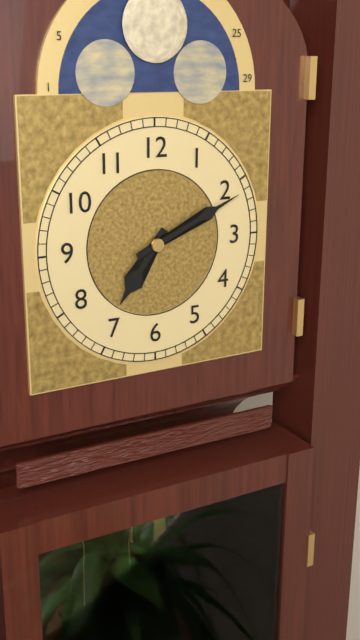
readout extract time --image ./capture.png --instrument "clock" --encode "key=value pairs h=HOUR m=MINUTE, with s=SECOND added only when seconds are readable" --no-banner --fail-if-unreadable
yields h=7 m=11
